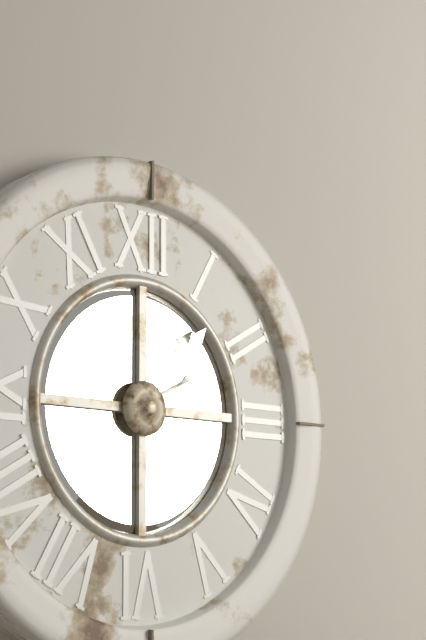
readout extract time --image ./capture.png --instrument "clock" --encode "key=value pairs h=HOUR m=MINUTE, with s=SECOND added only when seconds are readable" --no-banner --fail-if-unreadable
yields h=2 m=7
